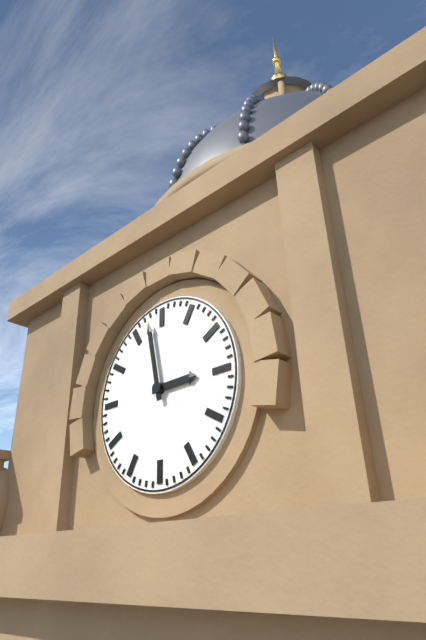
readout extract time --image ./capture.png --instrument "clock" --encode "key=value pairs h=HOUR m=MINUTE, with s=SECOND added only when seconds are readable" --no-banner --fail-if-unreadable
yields h=2 m=58
